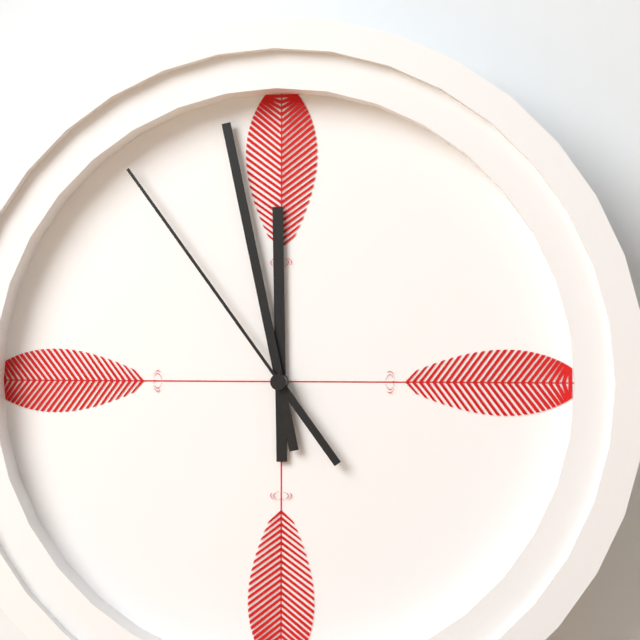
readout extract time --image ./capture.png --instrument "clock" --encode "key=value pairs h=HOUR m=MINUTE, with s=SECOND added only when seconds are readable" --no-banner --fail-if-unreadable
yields h=11 m=58 s=54
